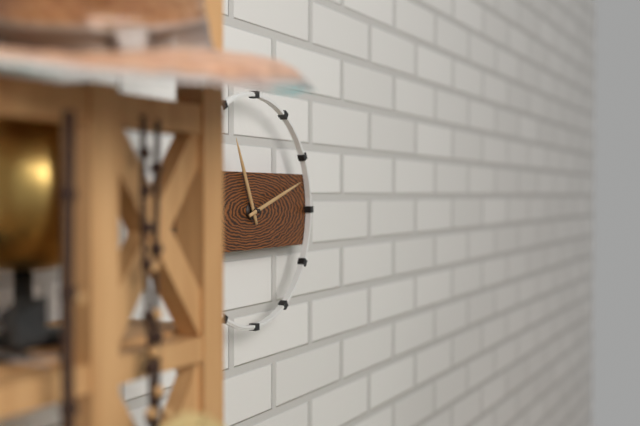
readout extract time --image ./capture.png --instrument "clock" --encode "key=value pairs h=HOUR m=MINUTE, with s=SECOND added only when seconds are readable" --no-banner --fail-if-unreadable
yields h=11 m=12
